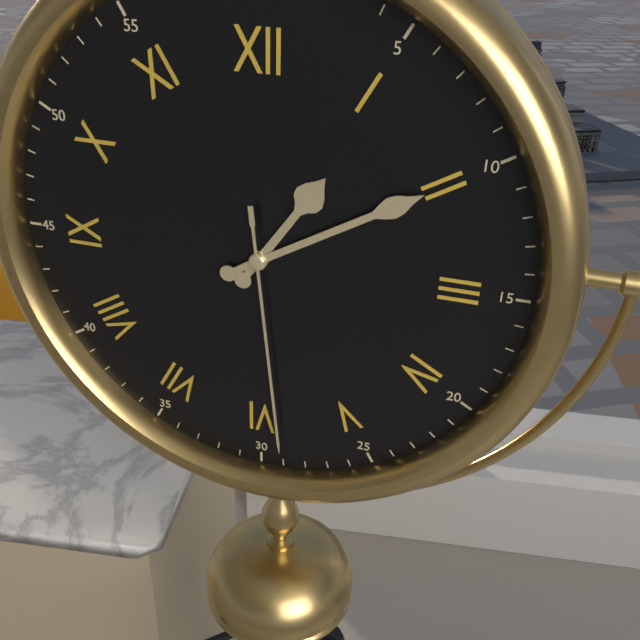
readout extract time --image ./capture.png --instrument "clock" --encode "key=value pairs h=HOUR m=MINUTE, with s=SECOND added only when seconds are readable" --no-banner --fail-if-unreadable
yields h=1 m=10 s=29
